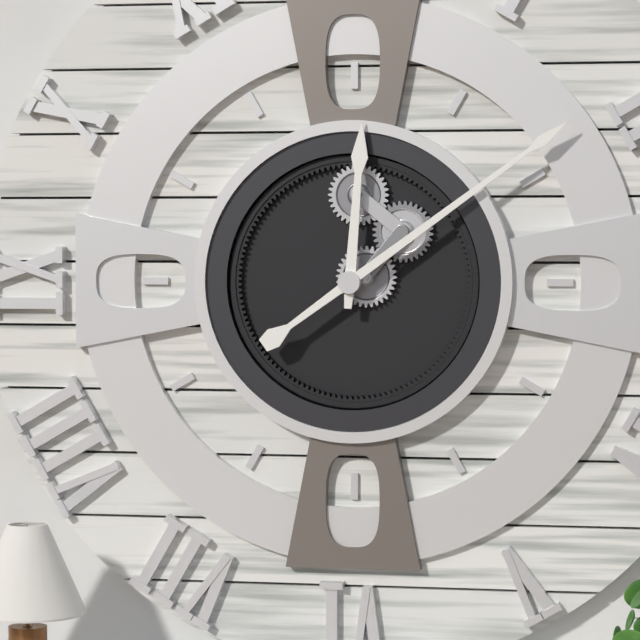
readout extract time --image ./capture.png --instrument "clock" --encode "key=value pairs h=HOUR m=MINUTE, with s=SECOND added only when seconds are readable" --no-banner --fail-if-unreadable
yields h=12 m=9
